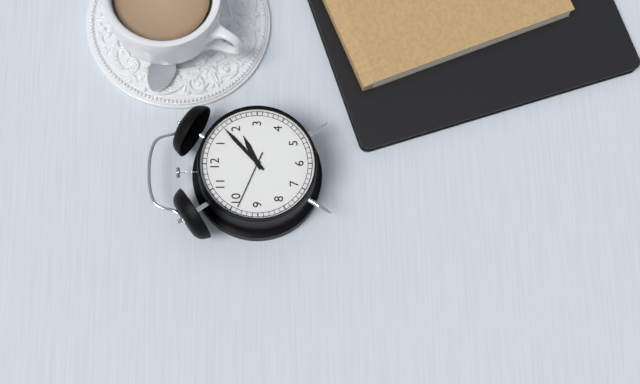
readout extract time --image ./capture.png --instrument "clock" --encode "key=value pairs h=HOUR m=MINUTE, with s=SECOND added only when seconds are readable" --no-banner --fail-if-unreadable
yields h=2 m=8 s=49
